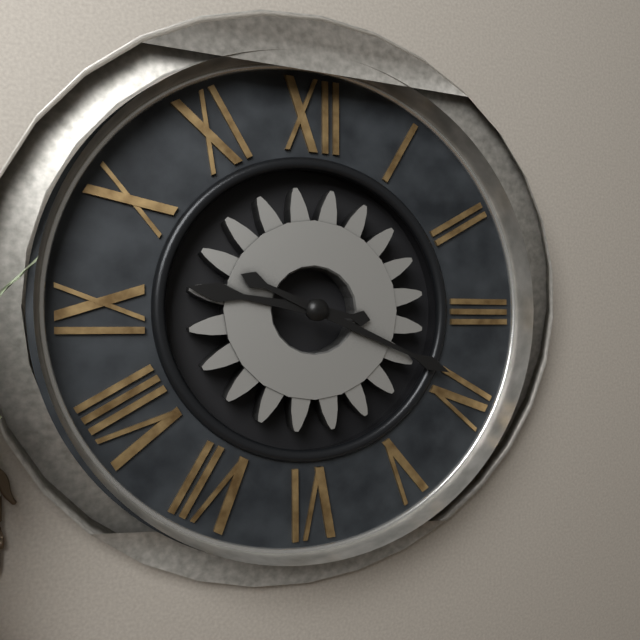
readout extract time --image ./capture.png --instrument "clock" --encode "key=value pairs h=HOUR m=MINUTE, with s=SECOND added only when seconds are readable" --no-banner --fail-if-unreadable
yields h=9 m=19
